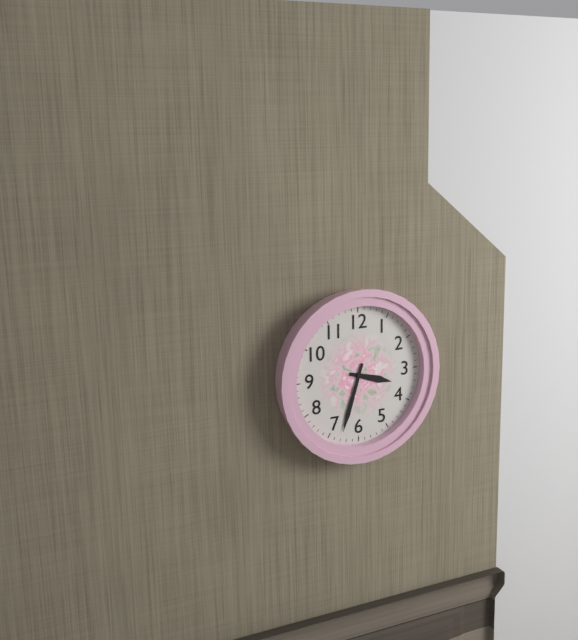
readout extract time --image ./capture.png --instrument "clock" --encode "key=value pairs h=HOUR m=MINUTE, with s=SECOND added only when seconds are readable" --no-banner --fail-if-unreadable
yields h=3 m=33
